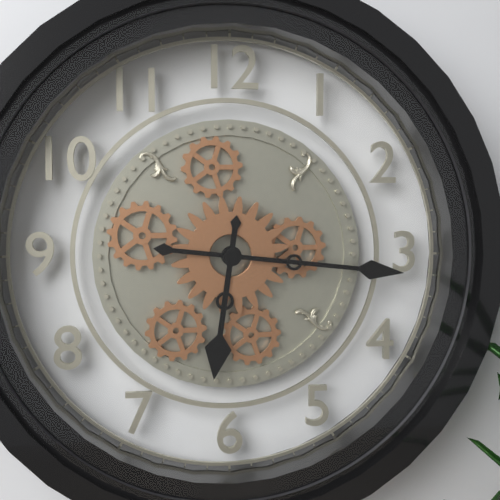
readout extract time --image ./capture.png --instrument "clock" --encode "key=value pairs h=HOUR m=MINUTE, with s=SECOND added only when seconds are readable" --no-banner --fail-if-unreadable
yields h=6 m=16
